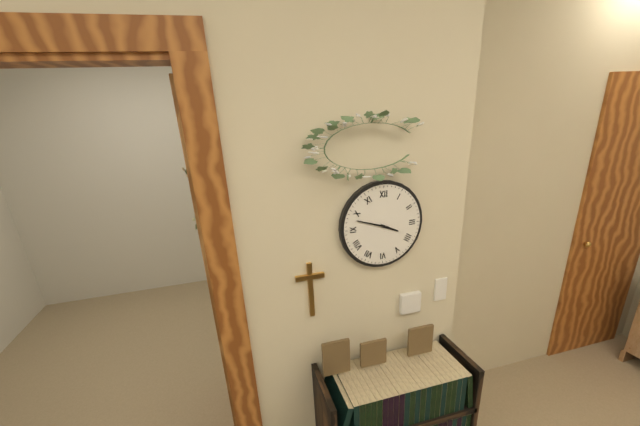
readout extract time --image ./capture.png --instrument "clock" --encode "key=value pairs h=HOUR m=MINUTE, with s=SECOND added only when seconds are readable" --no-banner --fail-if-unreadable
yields h=3 m=48
